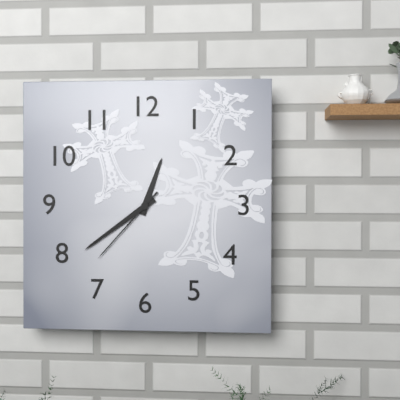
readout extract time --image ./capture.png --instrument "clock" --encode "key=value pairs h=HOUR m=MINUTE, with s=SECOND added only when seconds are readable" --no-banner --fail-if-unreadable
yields h=12 m=39 s=37
